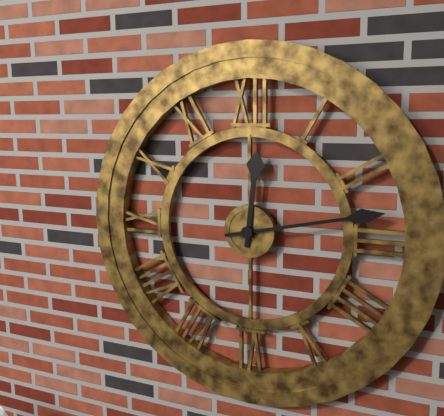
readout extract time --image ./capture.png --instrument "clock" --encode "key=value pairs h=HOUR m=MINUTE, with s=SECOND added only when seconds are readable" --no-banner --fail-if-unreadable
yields h=12 m=13
